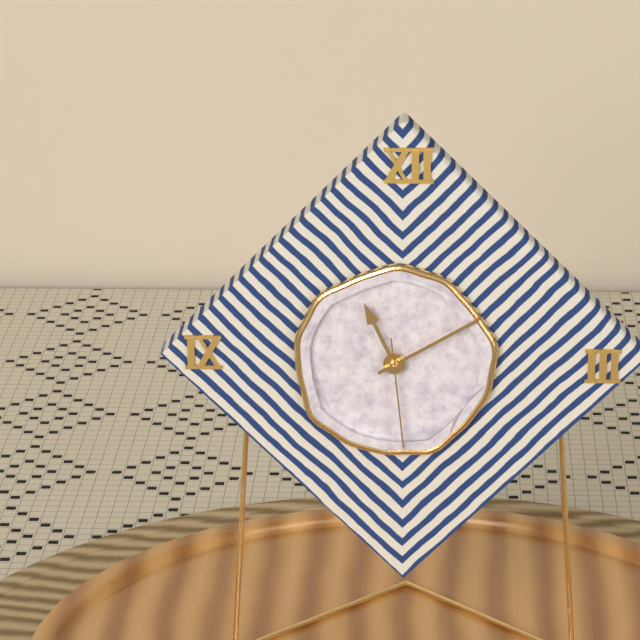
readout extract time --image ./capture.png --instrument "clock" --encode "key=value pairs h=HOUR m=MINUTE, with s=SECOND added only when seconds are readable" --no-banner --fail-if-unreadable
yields h=11 m=10 s=29
